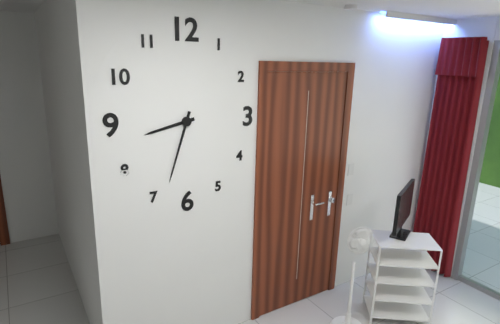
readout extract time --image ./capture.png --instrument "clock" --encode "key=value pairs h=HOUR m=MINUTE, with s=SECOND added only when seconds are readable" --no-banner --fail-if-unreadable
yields h=8 m=33
